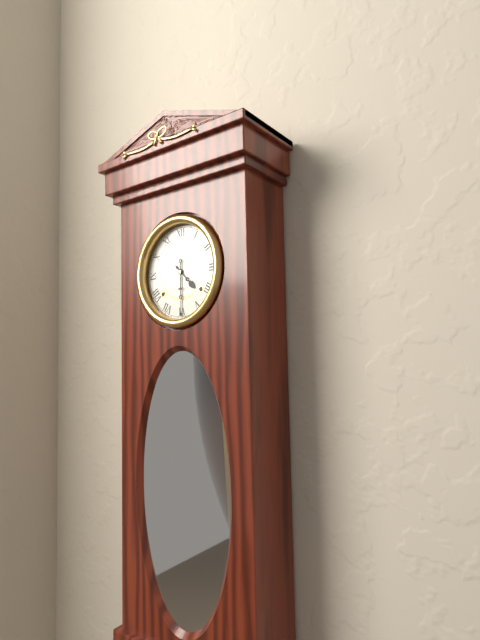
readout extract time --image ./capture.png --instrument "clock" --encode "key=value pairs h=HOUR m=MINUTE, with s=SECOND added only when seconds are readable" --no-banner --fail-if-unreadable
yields h=4 m=30
